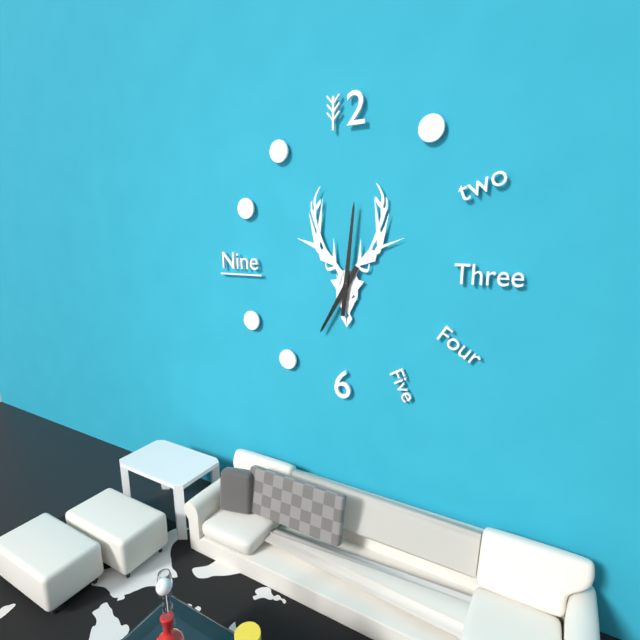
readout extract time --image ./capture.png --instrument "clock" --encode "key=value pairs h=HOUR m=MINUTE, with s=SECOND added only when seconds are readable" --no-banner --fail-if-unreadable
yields h=7 m=1
